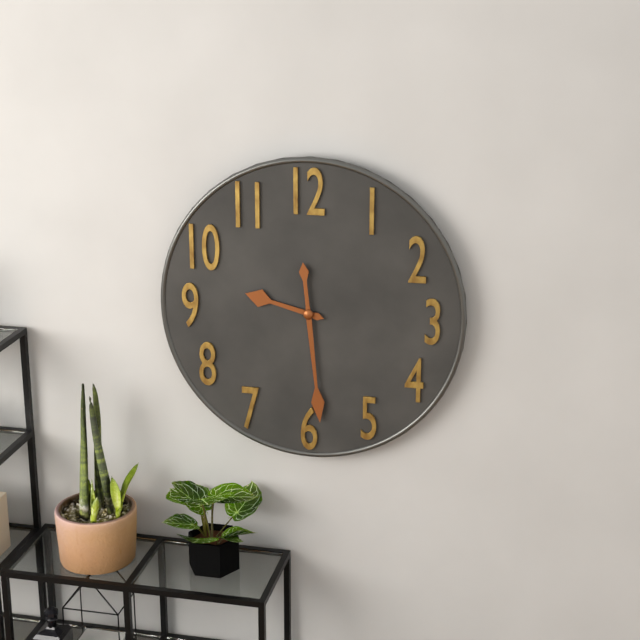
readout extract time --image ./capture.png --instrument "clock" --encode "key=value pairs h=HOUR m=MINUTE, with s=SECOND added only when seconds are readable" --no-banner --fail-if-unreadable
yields h=9 m=29
